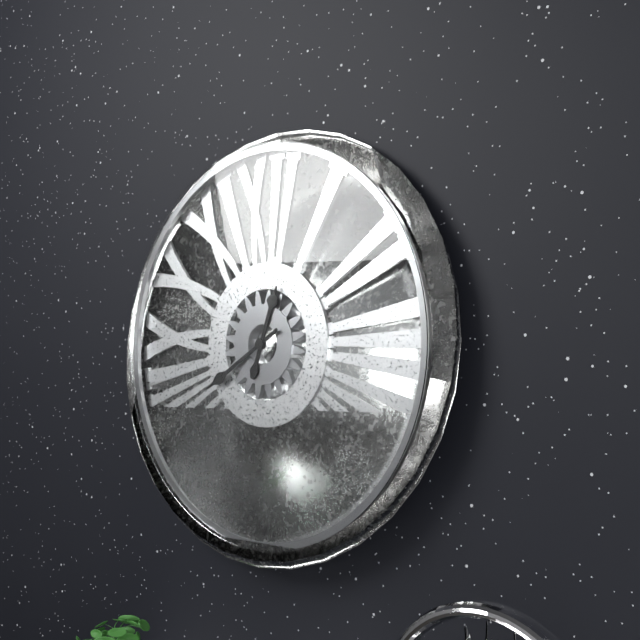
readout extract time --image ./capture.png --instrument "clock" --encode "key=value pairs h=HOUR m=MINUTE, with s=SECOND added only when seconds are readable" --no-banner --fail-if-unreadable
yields h=12 m=40
